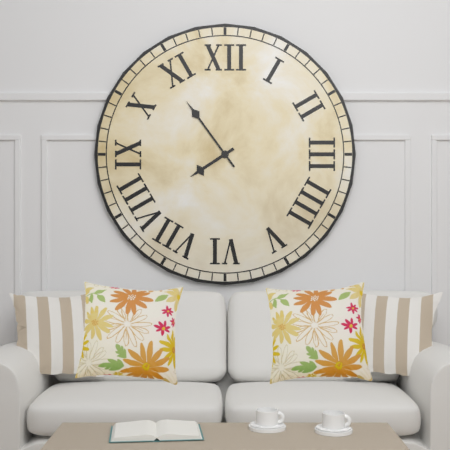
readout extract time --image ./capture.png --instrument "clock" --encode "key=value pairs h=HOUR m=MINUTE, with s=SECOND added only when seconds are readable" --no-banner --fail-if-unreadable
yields h=7 m=54
